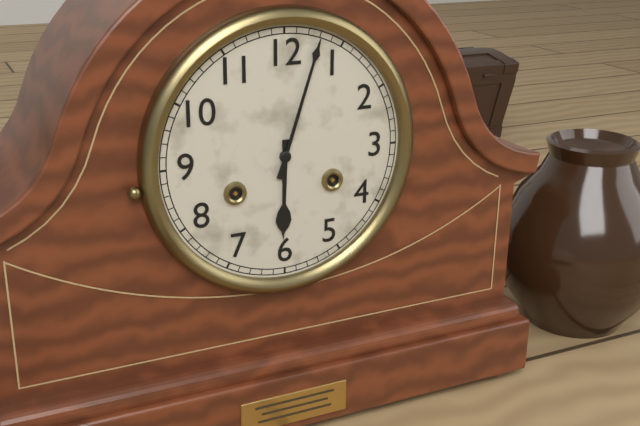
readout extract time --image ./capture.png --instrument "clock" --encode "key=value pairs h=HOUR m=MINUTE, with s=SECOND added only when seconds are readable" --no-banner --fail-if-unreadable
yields h=6 m=3
